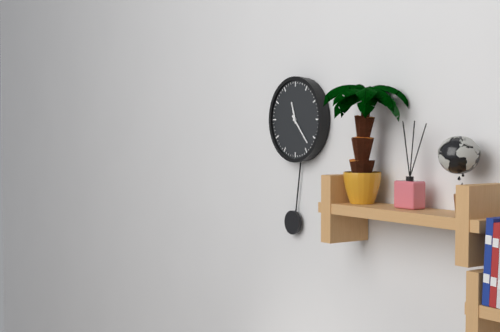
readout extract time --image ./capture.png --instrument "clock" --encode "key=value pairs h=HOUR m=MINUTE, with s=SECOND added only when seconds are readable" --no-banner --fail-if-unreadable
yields h=11 m=23
